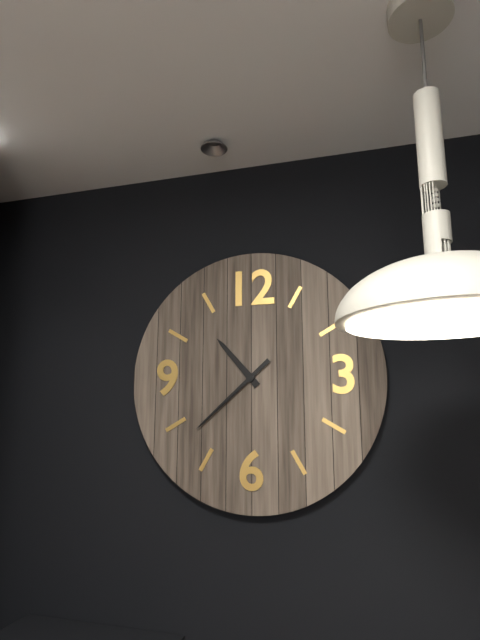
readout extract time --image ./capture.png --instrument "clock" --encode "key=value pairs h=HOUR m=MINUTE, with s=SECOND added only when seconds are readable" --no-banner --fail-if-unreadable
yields h=10 m=38
